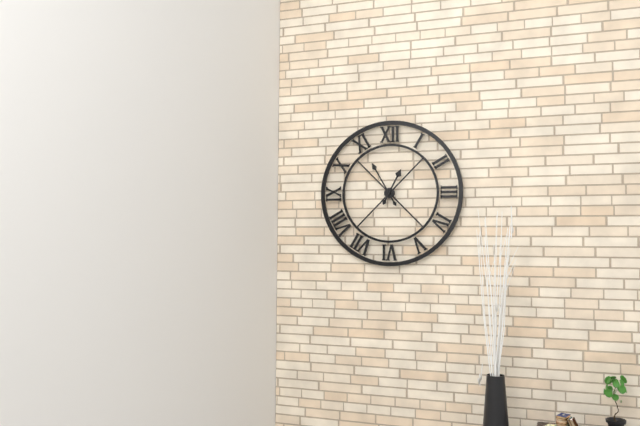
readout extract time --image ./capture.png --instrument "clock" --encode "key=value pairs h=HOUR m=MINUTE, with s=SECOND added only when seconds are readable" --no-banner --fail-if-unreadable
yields h=12 m=55
